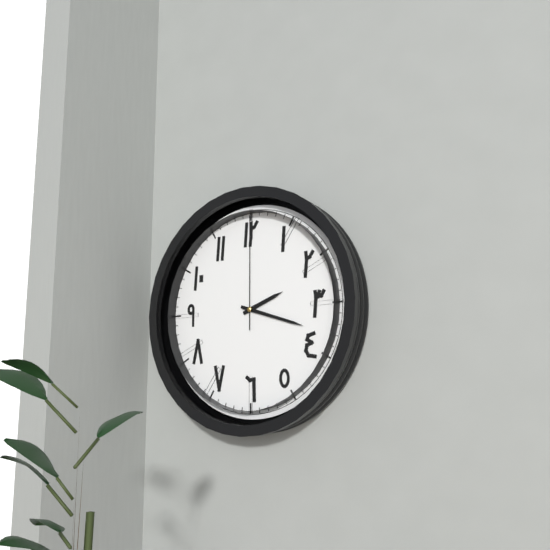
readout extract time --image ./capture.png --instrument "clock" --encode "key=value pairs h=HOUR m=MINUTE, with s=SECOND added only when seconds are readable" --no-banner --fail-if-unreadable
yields h=2 m=18 s=0
